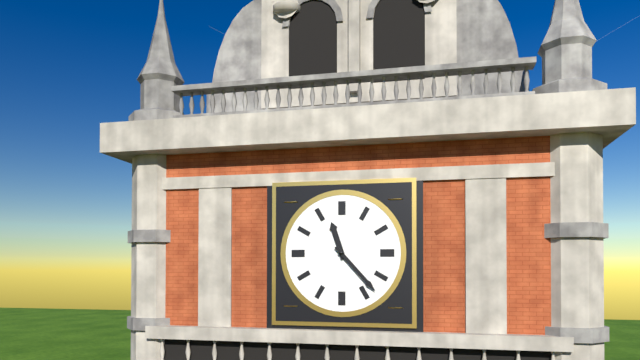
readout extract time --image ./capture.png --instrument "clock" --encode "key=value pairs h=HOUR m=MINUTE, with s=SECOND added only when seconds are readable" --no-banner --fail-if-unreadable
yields h=11 m=23
